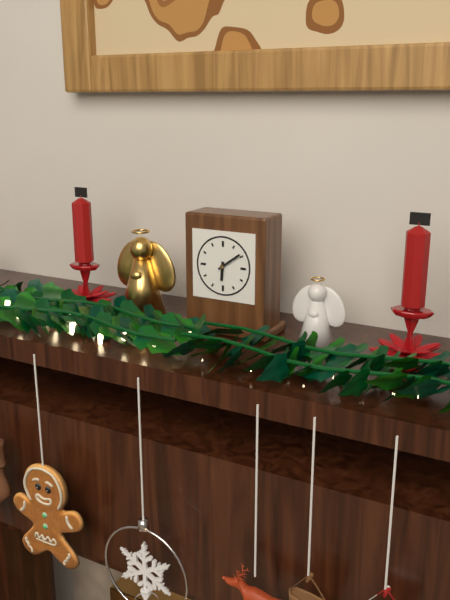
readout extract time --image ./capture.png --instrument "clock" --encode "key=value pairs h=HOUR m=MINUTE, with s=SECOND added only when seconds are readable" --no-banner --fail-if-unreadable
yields h=6 m=9
